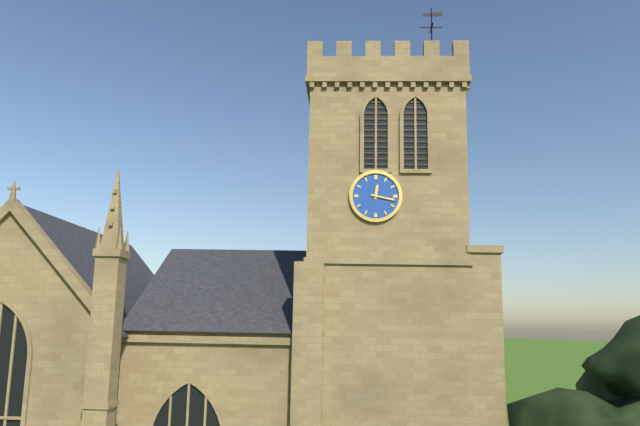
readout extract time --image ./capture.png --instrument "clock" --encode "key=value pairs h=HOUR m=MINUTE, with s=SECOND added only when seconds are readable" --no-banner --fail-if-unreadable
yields h=12 m=17
